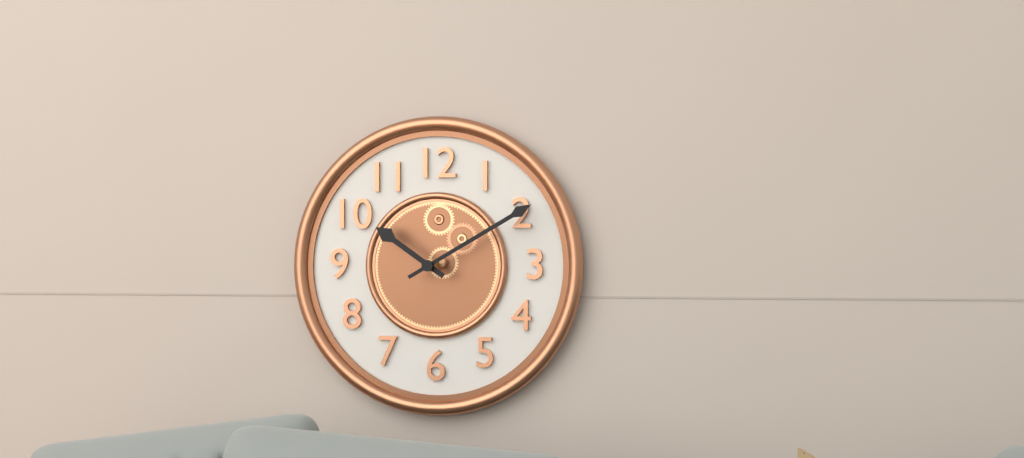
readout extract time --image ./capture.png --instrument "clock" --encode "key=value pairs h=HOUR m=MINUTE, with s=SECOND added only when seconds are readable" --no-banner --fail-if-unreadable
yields h=10 m=10
